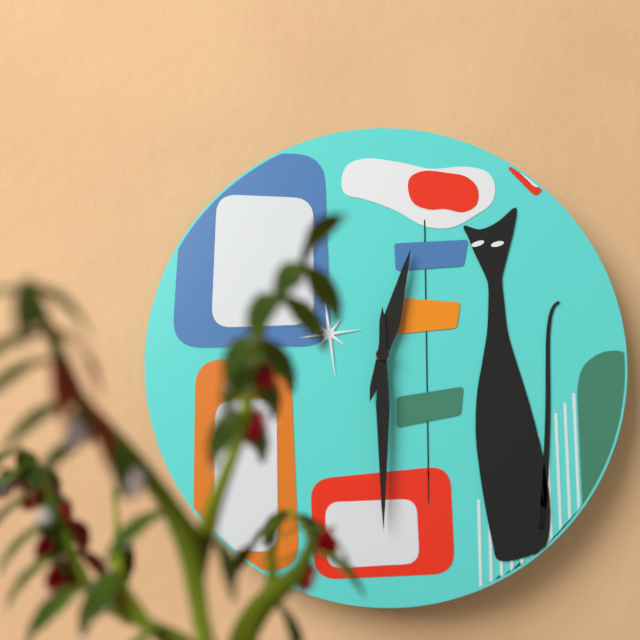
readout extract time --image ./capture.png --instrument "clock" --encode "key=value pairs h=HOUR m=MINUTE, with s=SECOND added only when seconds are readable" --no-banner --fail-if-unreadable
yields h=12 m=30
